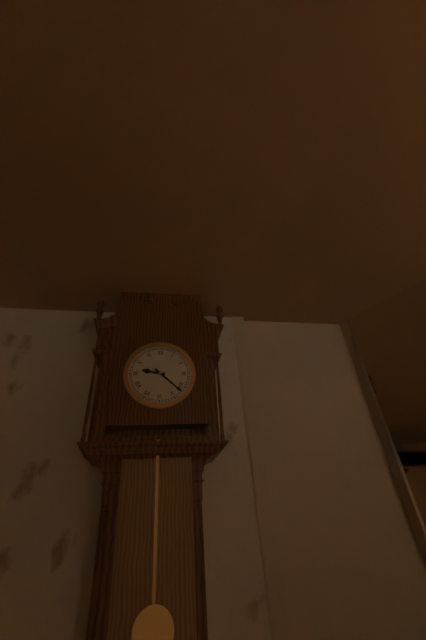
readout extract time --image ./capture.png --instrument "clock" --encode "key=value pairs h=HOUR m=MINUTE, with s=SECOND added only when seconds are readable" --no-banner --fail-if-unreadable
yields h=9 m=22
